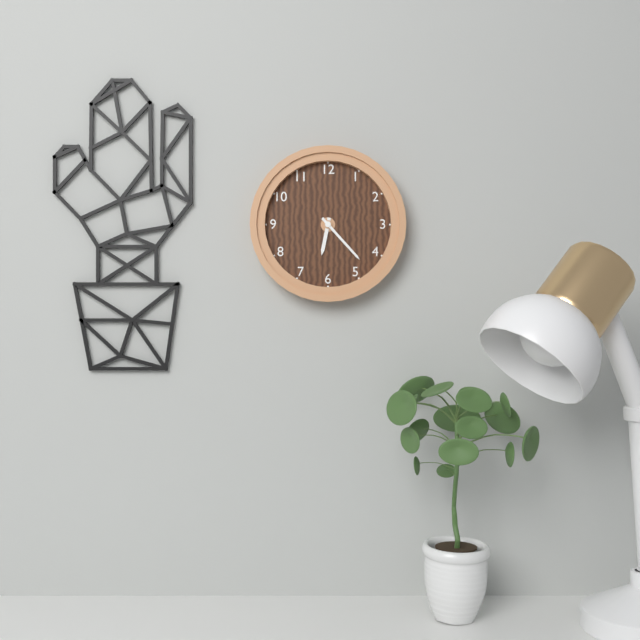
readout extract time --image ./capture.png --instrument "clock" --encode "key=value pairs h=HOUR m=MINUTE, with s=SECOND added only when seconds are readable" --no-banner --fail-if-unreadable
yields h=6 m=23
